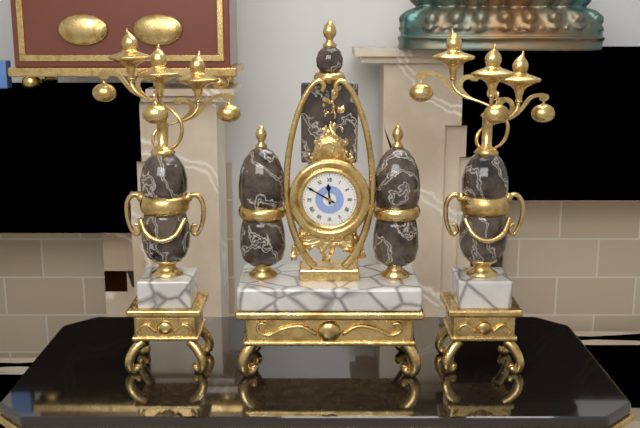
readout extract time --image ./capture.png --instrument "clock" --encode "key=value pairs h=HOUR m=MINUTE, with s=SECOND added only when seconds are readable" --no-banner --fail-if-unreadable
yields h=11 m=50
